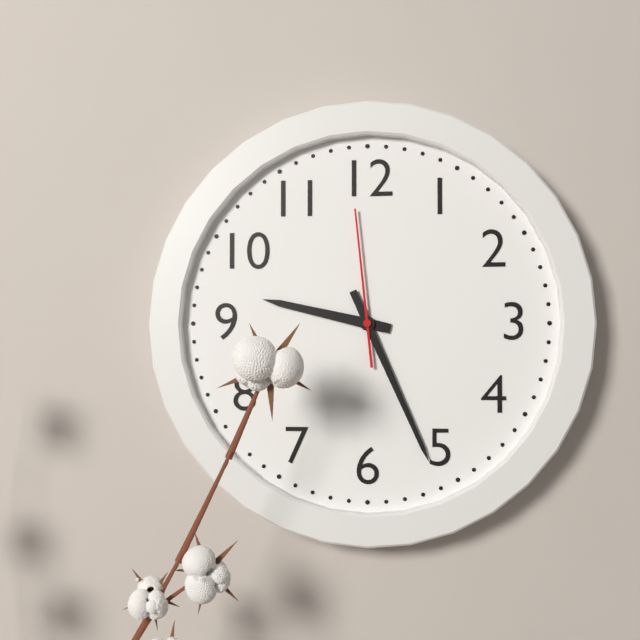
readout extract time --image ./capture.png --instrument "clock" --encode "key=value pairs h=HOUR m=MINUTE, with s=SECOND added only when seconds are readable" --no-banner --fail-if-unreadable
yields h=9 m=26 s=59
